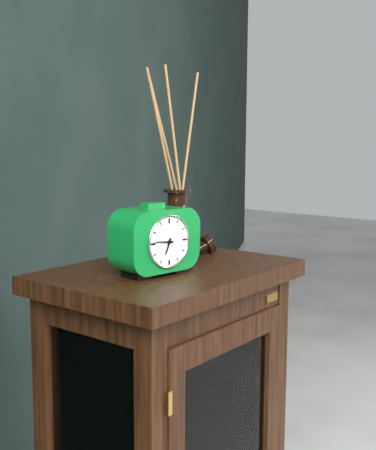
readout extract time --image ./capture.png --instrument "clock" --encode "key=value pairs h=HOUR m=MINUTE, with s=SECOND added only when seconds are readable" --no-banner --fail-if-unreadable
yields h=6 m=46
